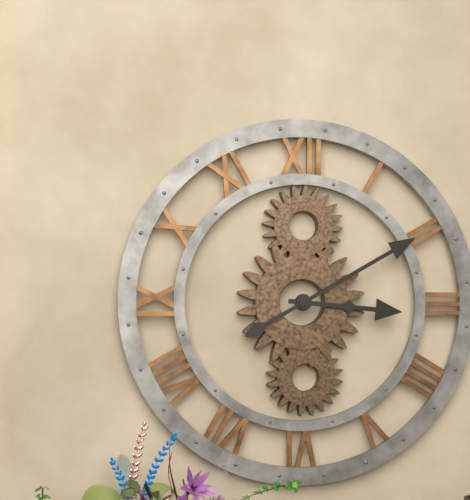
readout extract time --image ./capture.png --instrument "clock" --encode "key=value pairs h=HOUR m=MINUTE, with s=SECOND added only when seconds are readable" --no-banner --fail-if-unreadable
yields h=3 m=10
